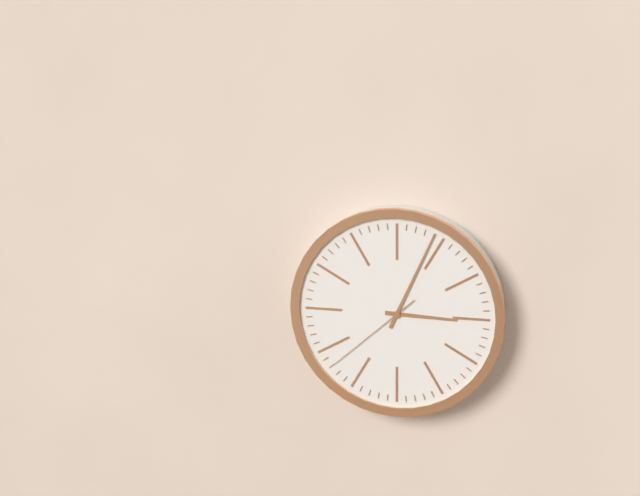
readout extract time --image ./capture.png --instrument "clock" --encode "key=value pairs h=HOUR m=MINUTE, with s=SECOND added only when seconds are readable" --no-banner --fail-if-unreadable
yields h=3 m=4 s=38
